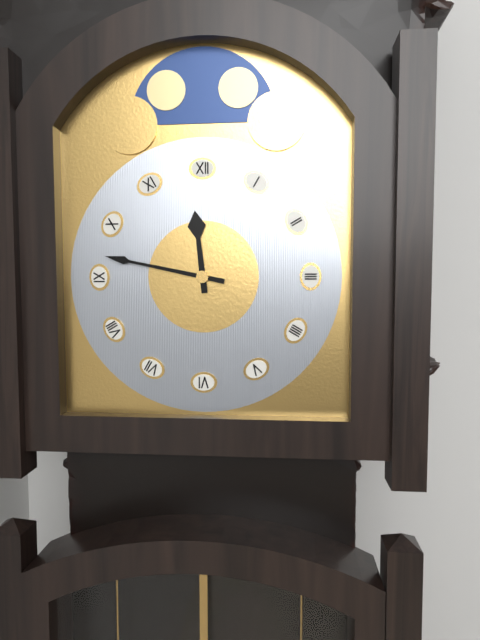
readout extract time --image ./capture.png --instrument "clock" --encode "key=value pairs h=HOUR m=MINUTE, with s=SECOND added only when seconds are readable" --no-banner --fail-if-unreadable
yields h=11 m=47
